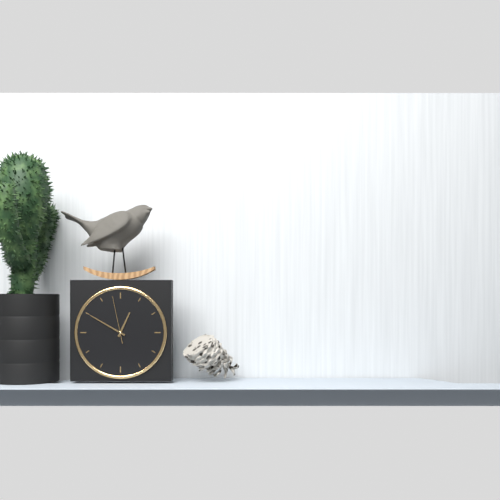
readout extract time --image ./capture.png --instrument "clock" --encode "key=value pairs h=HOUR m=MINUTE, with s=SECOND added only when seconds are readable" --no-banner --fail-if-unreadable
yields h=12 m=50
